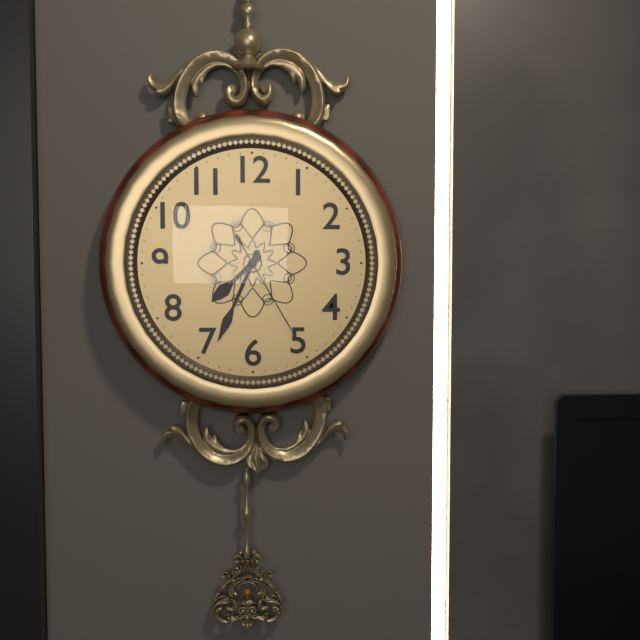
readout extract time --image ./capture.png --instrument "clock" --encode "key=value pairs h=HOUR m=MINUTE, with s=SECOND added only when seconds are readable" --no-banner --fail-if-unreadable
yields h=7 m=34 s=25
